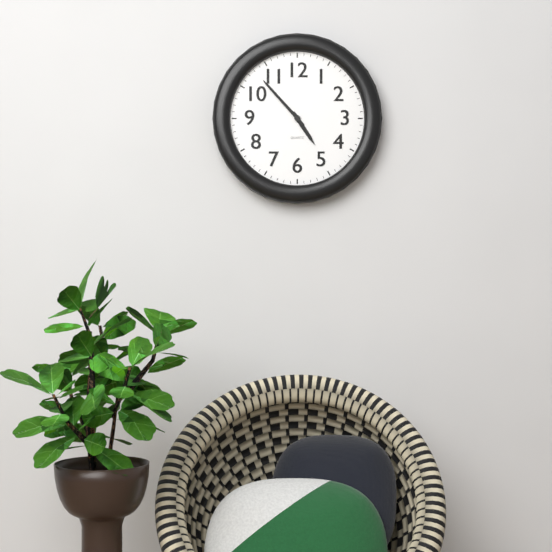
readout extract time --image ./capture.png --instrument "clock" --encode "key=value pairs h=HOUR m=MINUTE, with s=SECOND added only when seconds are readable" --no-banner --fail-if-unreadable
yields h=4 m=53
